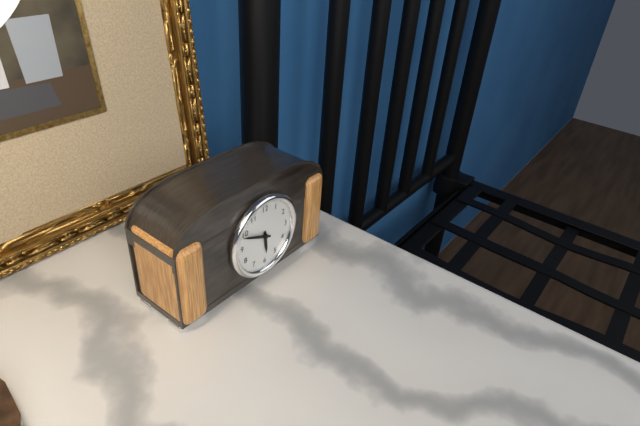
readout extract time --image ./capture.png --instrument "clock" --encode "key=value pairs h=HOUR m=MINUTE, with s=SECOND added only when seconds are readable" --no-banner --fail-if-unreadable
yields h=5 m=49
